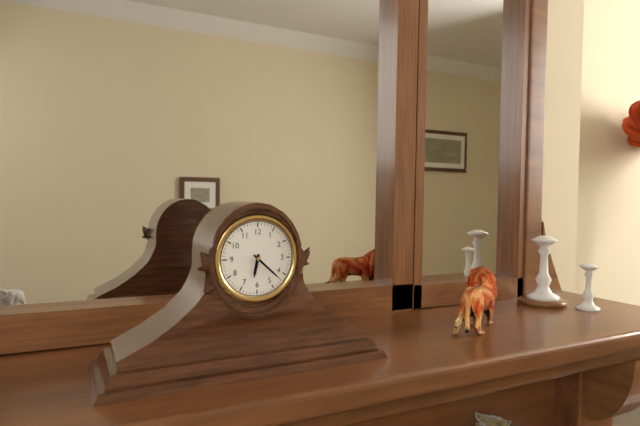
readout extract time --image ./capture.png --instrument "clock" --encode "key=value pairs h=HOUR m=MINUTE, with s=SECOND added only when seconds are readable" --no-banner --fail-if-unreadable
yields h=6 m=22
